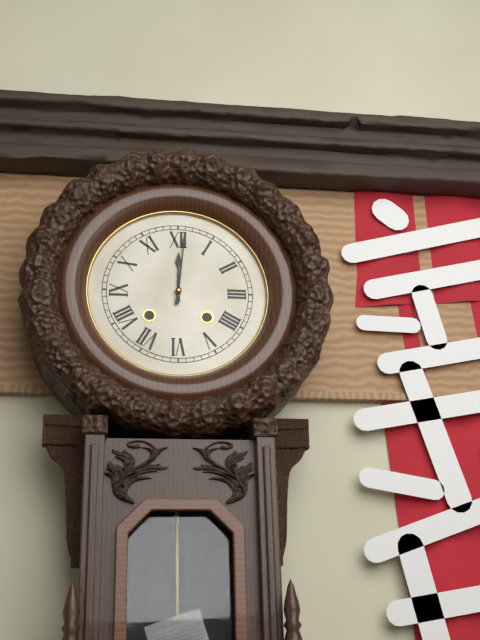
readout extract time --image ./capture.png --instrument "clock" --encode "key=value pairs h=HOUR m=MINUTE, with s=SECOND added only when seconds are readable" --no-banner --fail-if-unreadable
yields h=12 m=1
